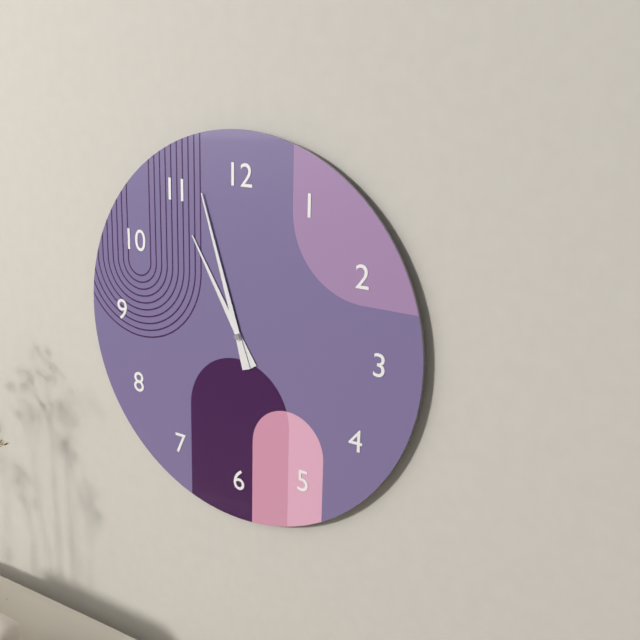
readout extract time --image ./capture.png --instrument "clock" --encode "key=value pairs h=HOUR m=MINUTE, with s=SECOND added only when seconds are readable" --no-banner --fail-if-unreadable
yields h=10 m=57
